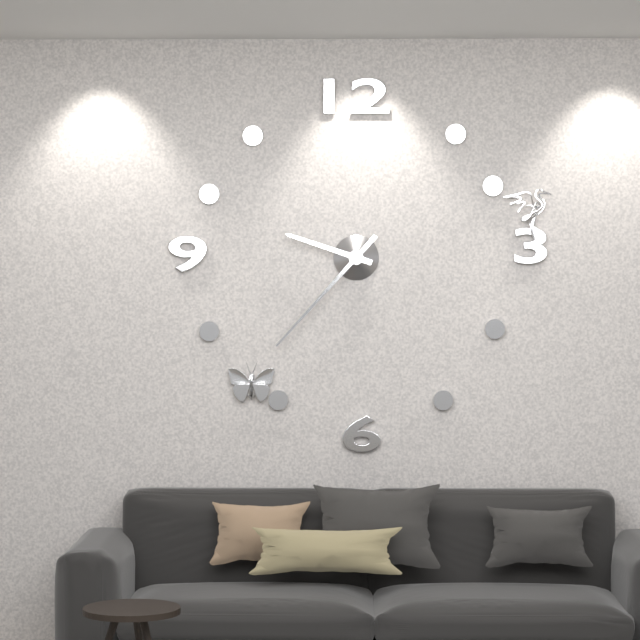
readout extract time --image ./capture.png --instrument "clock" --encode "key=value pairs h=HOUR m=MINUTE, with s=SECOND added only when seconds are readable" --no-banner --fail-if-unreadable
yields h=9 m=37
